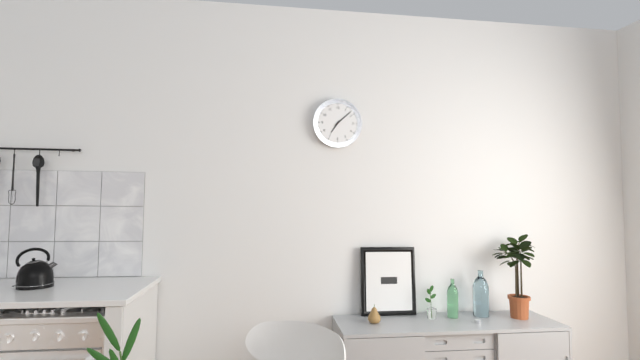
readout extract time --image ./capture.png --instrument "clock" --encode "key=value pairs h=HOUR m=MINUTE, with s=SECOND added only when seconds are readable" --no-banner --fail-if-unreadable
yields h=7 m=8
